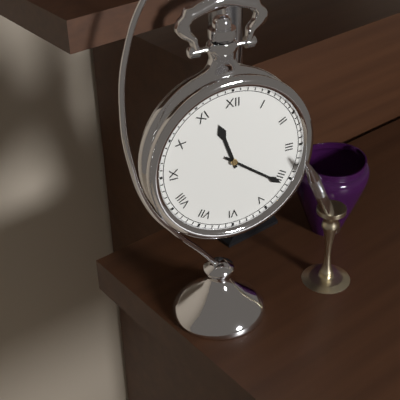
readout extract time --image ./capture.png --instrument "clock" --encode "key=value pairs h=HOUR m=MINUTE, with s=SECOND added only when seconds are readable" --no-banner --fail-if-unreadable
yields h=11 m=21
